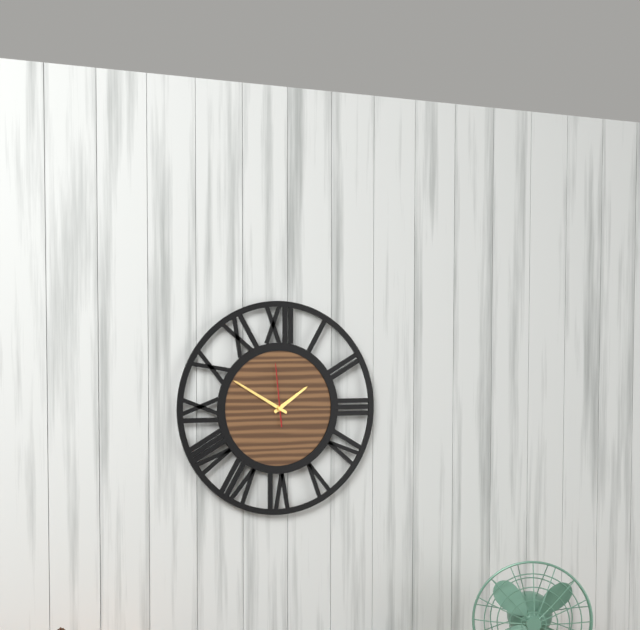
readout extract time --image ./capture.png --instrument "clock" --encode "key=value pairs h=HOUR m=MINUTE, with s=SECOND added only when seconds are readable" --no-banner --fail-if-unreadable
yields h=1 m=50 s=59
